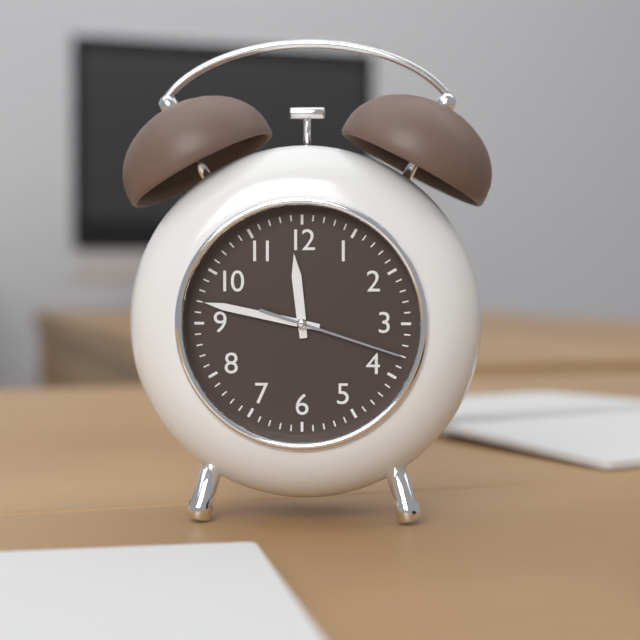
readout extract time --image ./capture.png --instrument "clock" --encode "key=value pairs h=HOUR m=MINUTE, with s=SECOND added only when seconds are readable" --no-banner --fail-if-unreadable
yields h=11 m=47 s=18
